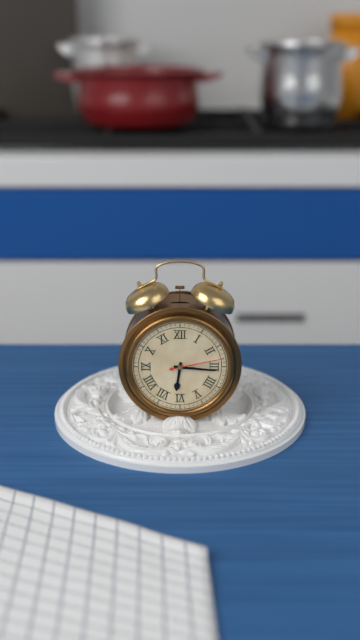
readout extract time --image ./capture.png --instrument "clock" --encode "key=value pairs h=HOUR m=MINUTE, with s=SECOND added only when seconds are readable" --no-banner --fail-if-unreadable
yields h=6 m=16 s=13
